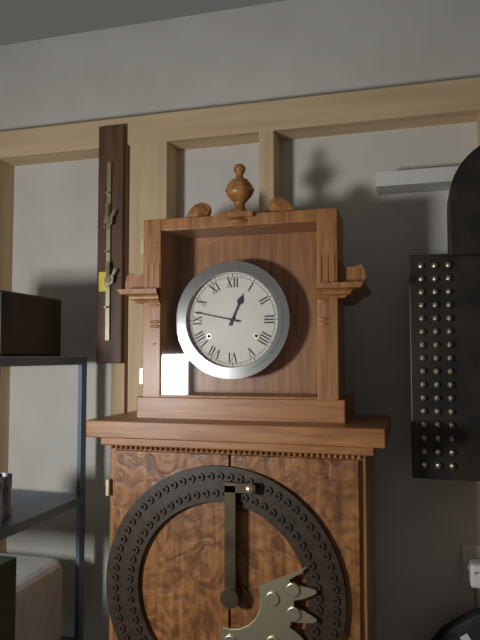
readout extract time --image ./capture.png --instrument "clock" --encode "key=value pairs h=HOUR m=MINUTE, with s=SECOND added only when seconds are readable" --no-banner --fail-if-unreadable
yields h=12 m=47
